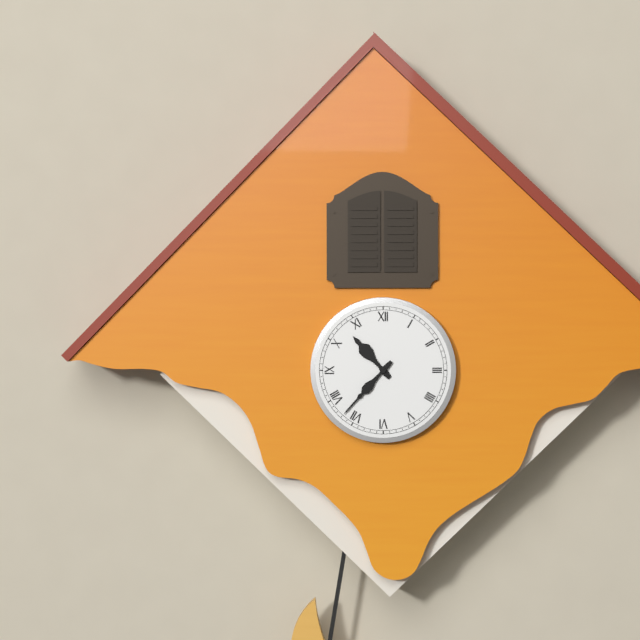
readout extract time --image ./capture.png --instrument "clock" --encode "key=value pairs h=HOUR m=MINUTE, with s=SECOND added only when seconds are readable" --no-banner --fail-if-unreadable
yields h=10 m=37
